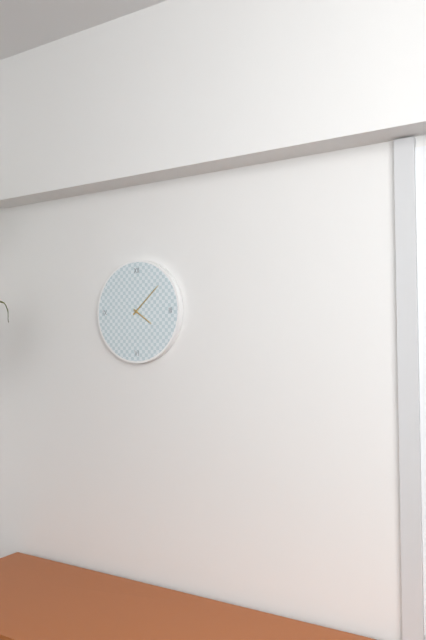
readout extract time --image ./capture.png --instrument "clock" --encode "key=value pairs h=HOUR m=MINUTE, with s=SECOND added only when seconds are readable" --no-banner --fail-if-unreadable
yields h=4 m=8
